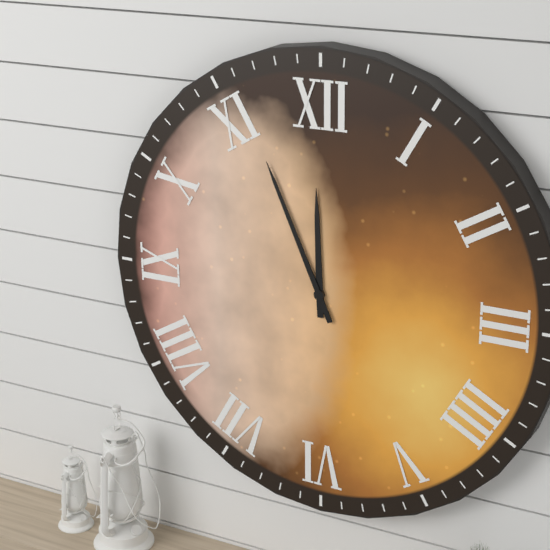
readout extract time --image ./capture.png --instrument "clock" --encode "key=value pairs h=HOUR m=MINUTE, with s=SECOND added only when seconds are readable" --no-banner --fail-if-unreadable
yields h=11 m=56
